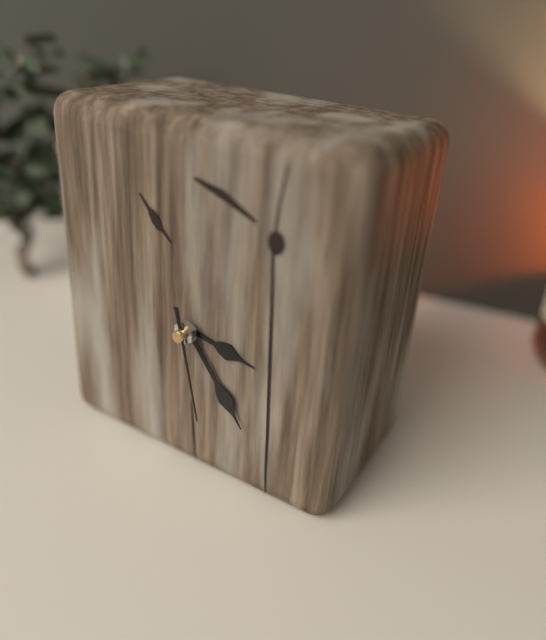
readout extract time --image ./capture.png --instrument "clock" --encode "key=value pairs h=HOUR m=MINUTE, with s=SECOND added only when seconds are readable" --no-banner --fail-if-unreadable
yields h=3 m=24 s=28
